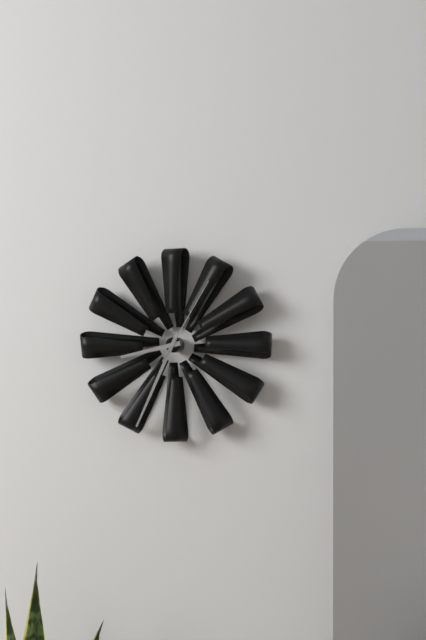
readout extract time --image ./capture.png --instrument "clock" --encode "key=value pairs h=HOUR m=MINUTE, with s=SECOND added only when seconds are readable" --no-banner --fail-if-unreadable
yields h=8 m=34 s=5
